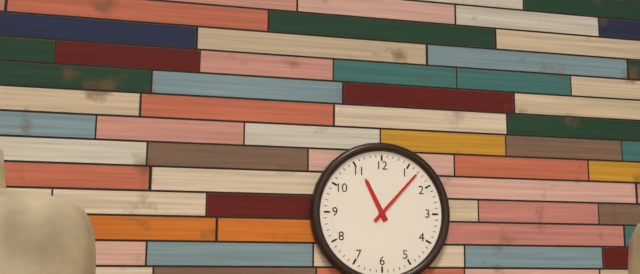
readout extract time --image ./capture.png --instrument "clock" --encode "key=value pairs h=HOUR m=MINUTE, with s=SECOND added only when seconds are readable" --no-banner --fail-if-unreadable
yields h=11 m=7
